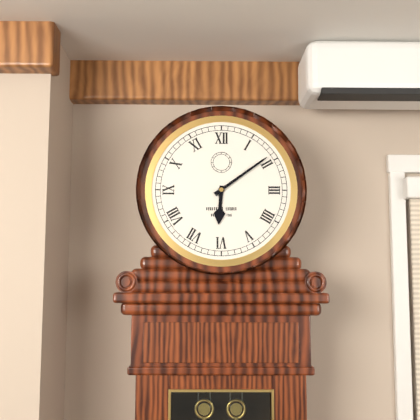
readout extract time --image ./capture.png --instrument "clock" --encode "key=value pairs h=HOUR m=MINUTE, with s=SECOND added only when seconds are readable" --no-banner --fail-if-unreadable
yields h=6 m=9
